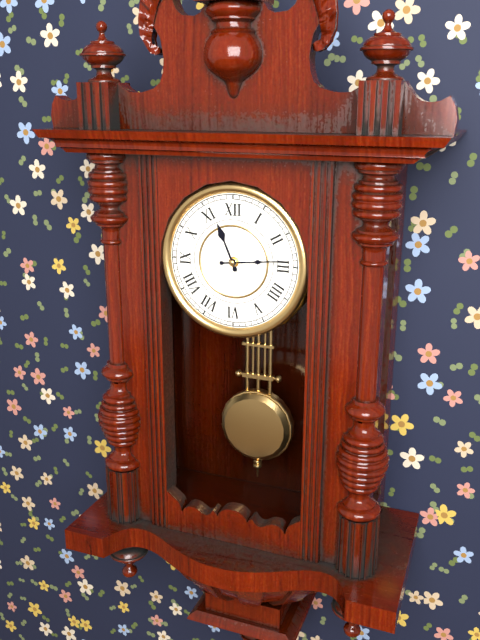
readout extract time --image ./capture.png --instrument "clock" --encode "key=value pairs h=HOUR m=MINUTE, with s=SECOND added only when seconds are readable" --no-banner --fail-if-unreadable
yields h=11 m=14
